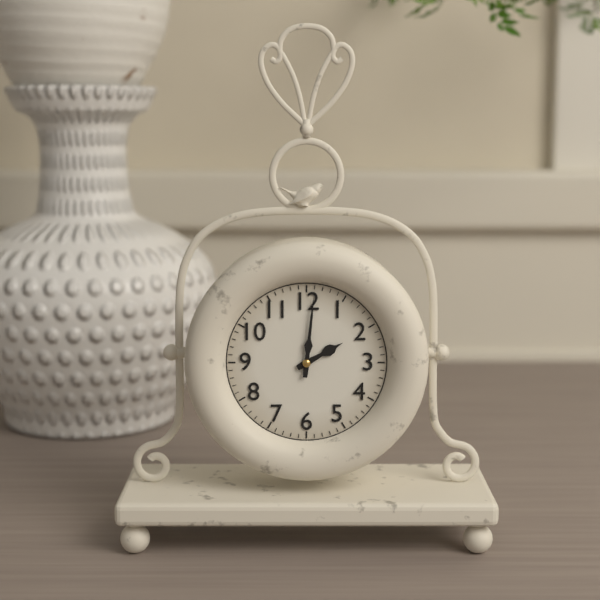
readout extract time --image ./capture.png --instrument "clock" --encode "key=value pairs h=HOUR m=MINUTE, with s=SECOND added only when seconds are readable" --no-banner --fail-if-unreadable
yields h=2 m=1
